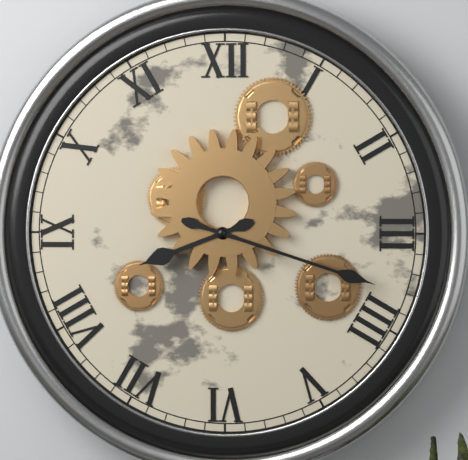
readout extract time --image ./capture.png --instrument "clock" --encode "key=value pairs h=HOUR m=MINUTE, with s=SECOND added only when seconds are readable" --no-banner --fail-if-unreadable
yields h=8 m=18
